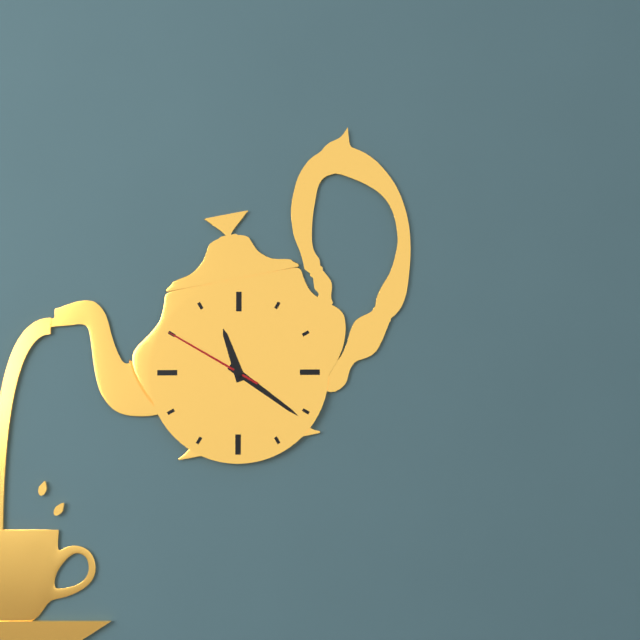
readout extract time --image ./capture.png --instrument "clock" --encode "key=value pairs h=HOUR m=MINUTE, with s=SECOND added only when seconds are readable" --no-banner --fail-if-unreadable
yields h=11 m=21 s=50
